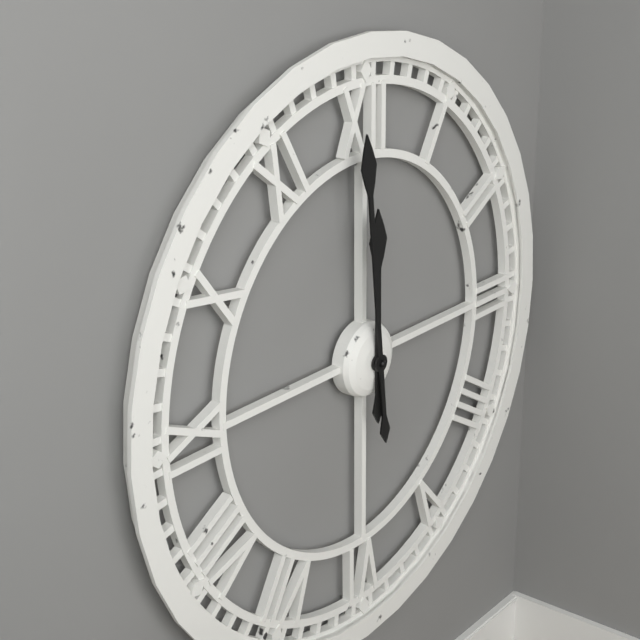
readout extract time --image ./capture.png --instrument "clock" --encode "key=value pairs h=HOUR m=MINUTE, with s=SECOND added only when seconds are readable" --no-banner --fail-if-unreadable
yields h=11 m=59
